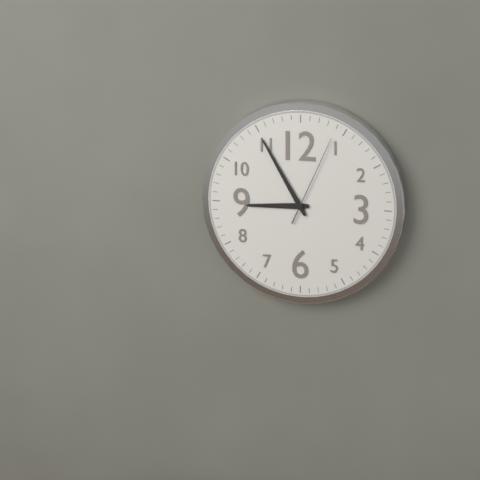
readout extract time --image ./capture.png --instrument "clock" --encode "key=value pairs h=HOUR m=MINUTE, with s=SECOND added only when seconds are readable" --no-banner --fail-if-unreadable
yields h=8 m=55 s=4
